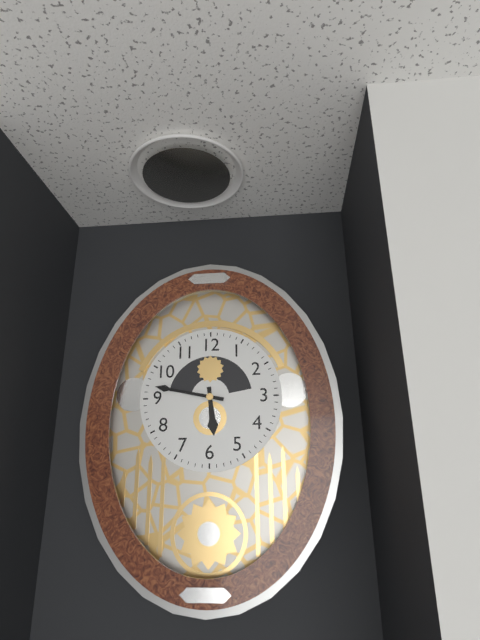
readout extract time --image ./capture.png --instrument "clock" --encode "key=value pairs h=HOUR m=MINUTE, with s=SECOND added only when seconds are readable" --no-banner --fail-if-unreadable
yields h=5 m=47
